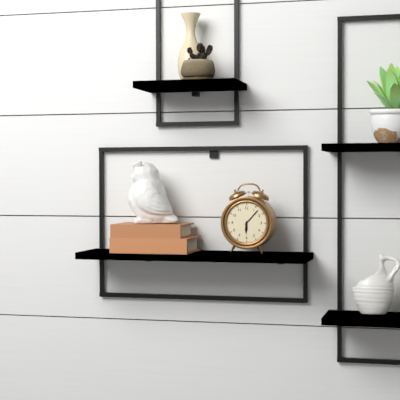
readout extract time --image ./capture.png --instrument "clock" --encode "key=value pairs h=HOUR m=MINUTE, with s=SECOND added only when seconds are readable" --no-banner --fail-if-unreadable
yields h=6 m=7
